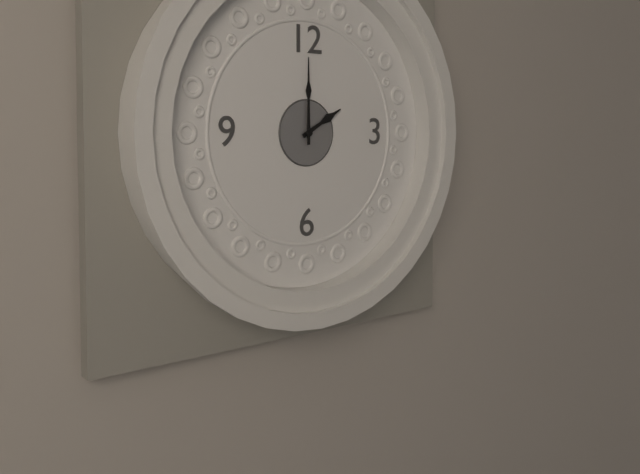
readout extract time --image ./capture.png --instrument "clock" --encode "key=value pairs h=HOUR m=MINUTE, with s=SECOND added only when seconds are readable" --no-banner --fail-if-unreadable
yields h=2 m=0
